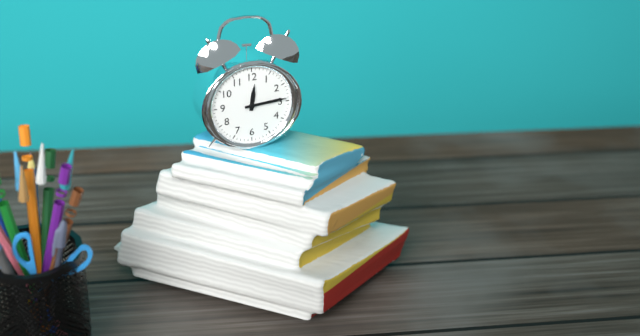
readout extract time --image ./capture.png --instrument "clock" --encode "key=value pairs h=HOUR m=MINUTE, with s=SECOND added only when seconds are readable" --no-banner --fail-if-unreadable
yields h=12 m=14
